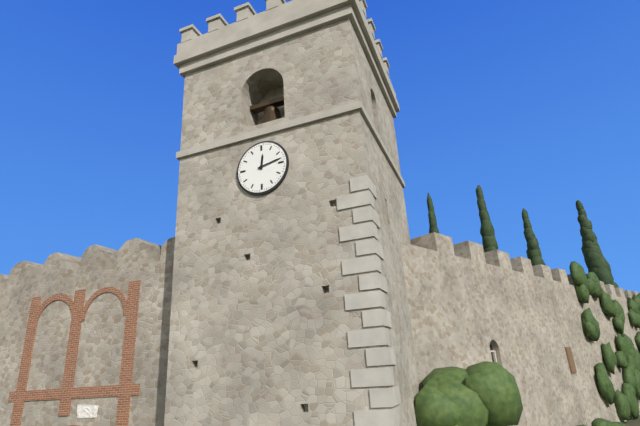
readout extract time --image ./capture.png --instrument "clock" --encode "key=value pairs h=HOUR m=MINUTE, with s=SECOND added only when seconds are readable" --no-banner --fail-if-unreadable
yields h=12 m=13
